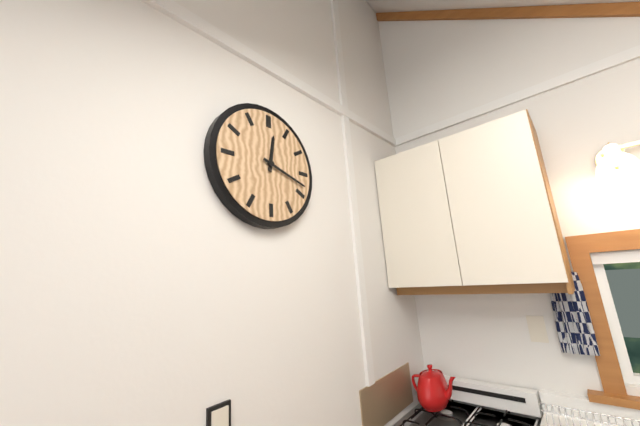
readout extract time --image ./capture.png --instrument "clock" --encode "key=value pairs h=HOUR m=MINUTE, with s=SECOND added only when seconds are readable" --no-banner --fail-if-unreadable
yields h=12 m=18
